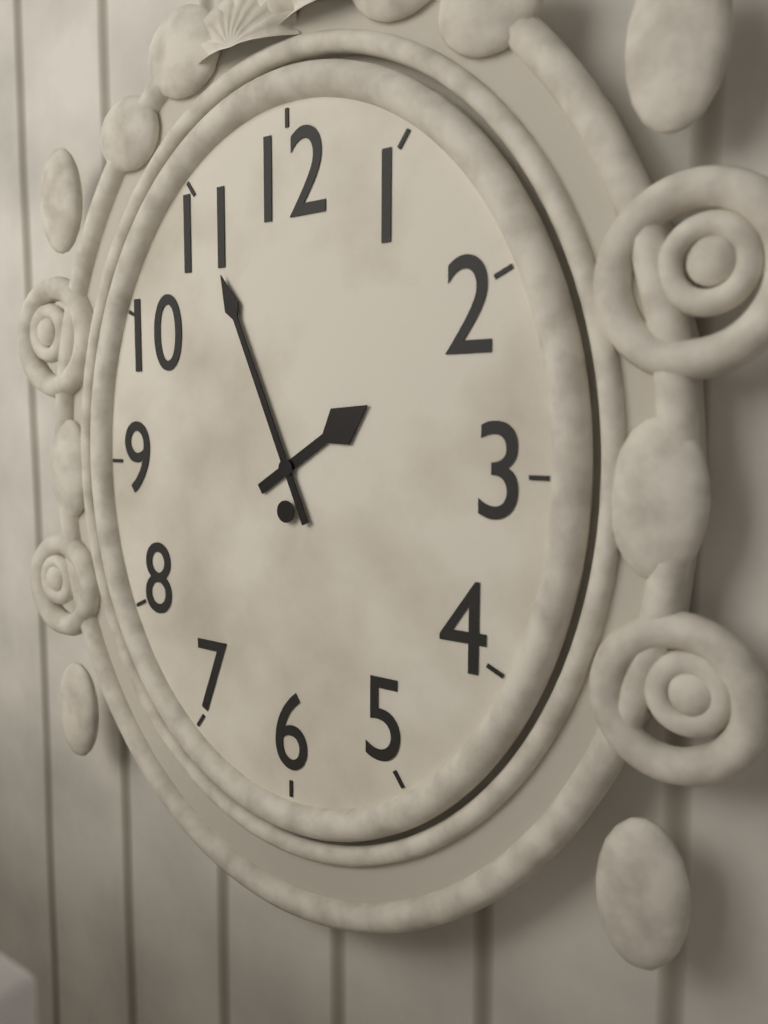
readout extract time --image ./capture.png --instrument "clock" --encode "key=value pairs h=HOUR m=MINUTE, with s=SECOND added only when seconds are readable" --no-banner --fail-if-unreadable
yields h=1 m=56
